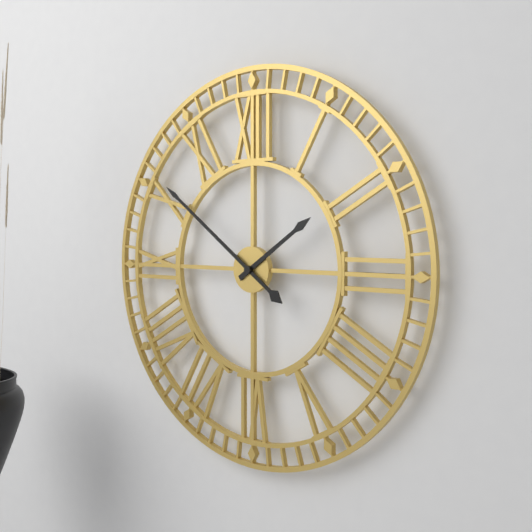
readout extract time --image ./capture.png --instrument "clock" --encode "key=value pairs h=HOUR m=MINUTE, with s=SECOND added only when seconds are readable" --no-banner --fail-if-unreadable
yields h=1 m=51
